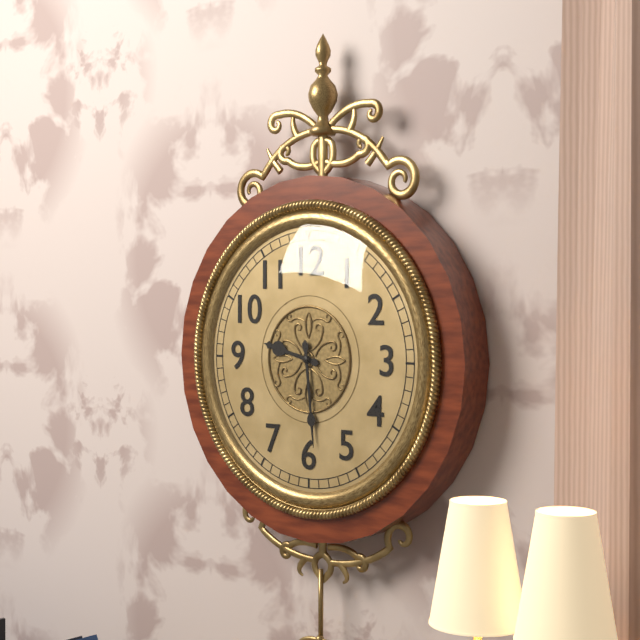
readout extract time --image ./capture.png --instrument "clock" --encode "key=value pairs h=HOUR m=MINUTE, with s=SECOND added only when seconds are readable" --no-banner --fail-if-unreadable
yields h=9 m=29
